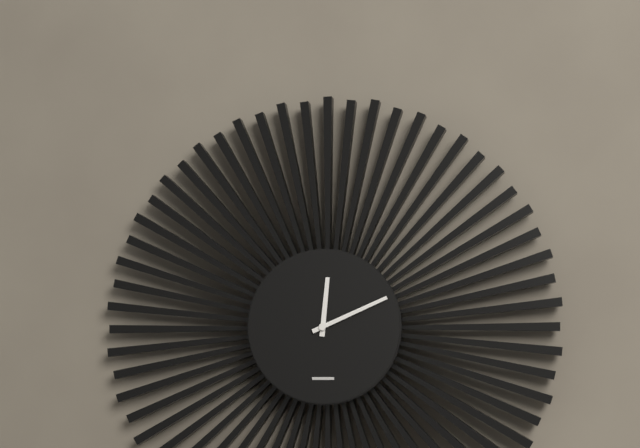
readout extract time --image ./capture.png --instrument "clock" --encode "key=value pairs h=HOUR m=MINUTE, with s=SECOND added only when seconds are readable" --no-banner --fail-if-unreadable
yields h=12 m=11
